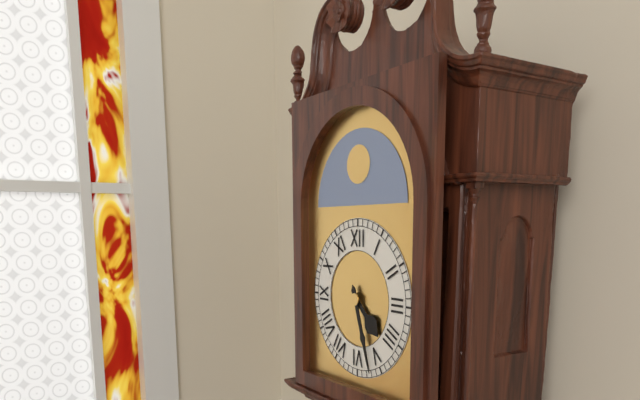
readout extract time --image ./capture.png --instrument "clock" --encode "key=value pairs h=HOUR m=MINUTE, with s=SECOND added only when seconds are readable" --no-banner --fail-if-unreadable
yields h=4 m=27
